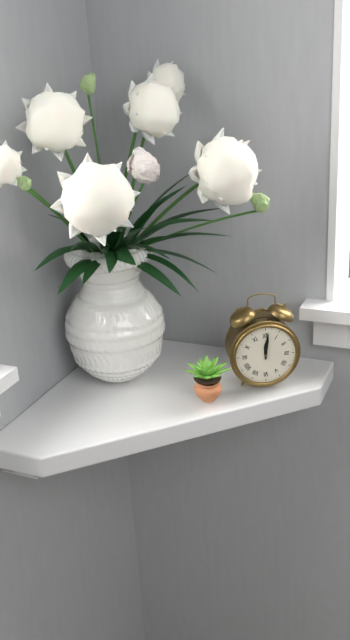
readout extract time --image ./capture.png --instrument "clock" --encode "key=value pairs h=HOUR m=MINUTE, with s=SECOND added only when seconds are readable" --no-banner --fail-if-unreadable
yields h=12 m=1
